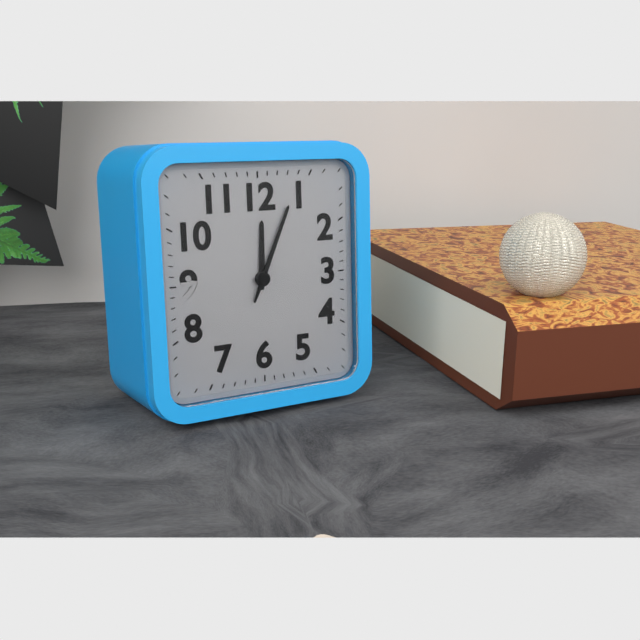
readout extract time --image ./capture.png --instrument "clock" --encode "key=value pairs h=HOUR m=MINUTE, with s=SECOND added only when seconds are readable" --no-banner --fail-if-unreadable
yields h=12 m=4
